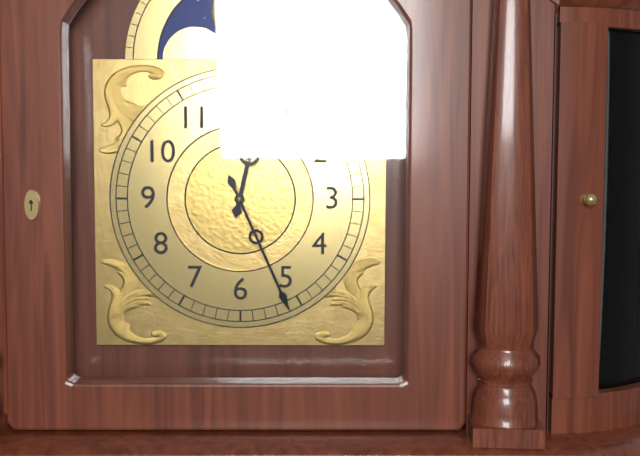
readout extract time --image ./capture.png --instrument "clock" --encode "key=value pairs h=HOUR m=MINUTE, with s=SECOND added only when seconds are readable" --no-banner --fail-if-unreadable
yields h=12 m=26
